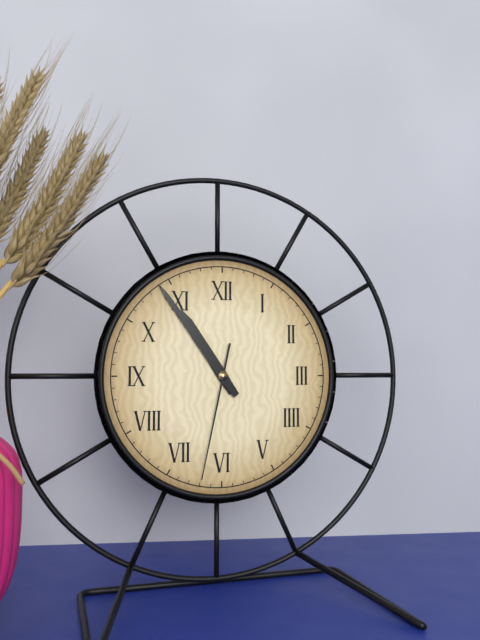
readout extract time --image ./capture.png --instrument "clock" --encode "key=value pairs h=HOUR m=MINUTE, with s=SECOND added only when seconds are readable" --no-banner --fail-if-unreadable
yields h=10 m=54 s=32
